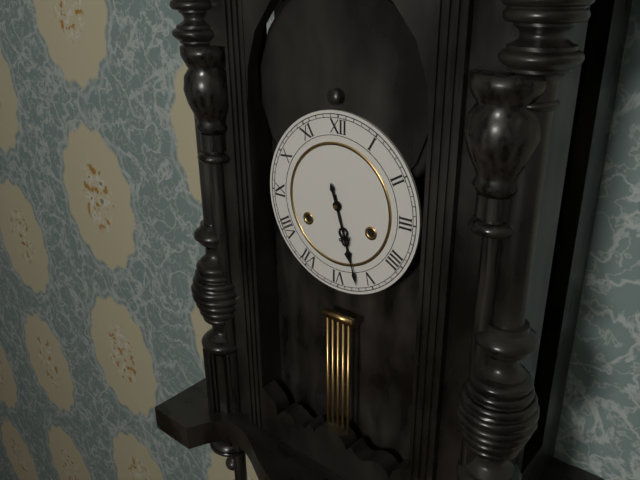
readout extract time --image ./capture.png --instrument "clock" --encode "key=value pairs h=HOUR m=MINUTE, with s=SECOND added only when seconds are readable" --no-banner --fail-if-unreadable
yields h=5 m=27
